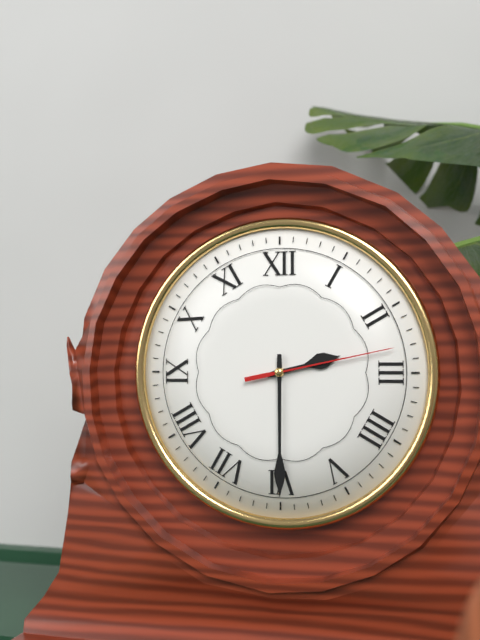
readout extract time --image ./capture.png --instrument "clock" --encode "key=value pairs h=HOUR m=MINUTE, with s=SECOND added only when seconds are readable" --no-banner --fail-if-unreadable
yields h=2 m=30 s=13
